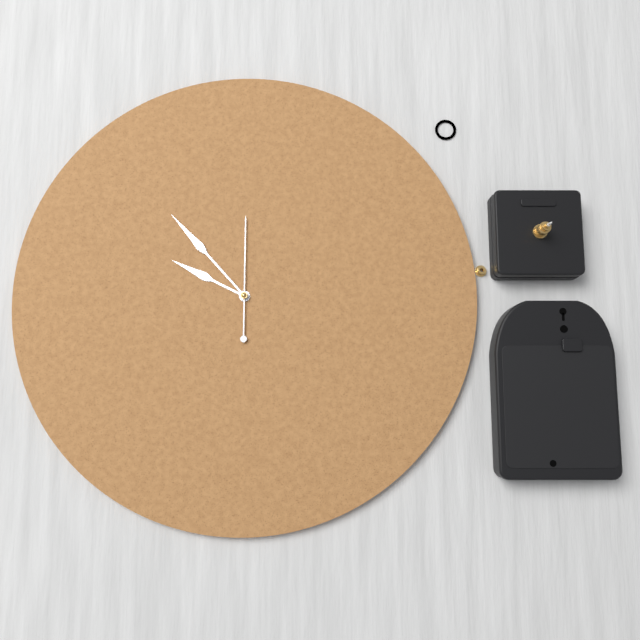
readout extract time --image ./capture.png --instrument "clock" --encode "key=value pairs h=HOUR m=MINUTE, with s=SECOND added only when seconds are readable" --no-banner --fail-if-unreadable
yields h=9 m=53 s=0
